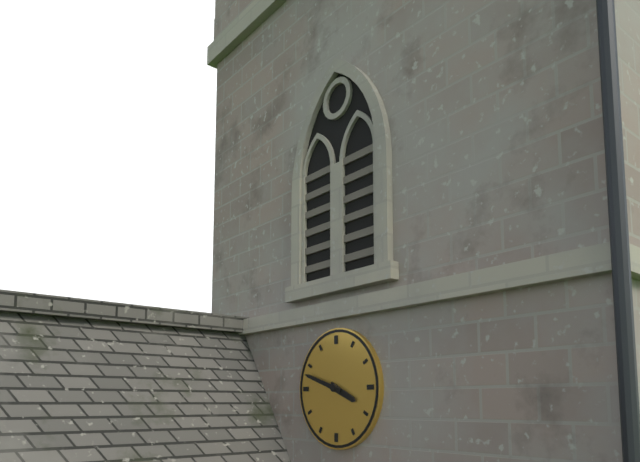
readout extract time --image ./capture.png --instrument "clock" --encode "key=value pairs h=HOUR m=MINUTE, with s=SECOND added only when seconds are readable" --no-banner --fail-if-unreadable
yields h=3 m=48
